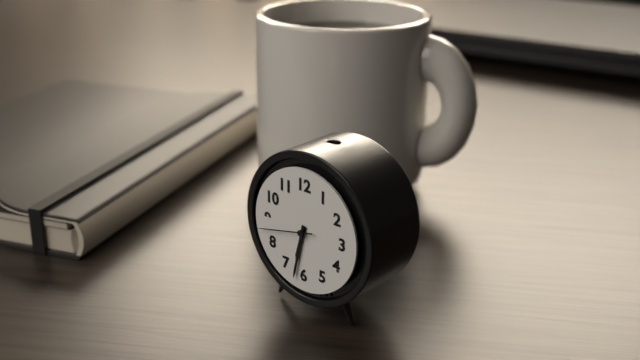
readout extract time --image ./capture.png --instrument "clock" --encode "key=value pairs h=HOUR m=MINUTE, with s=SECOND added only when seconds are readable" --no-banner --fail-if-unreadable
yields h=6 m=32 s=43
